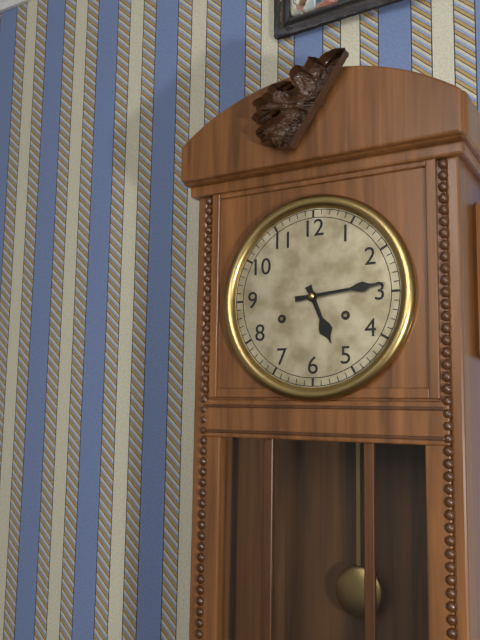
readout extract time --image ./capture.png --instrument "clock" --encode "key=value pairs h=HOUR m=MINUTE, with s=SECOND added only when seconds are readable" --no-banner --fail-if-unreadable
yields h=5 m=14
